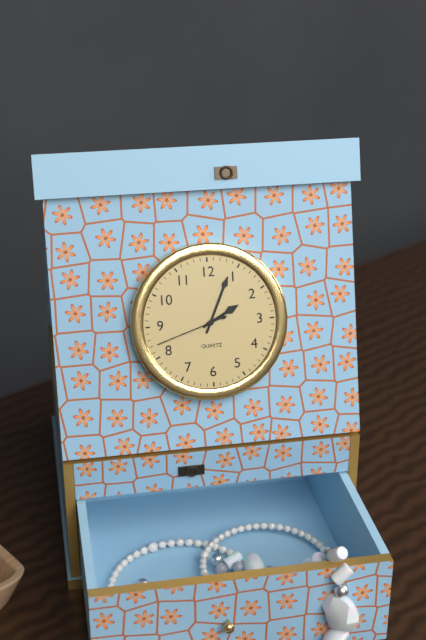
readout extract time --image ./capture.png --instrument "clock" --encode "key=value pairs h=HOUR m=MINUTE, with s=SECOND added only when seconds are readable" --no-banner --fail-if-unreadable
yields h=2 m=4 s=42
